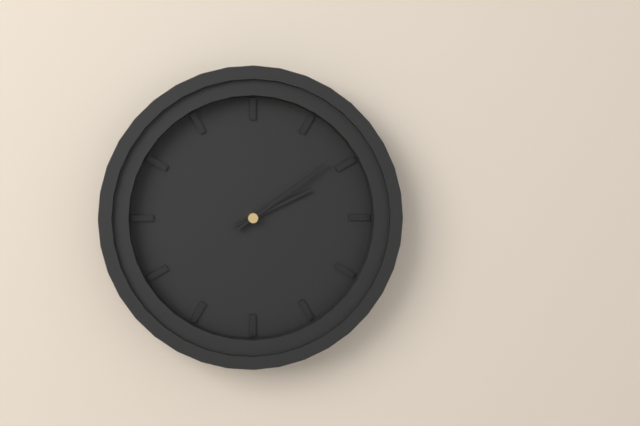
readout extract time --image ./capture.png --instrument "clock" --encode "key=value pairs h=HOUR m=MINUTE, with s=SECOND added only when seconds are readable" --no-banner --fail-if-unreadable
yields h=2 m=9
